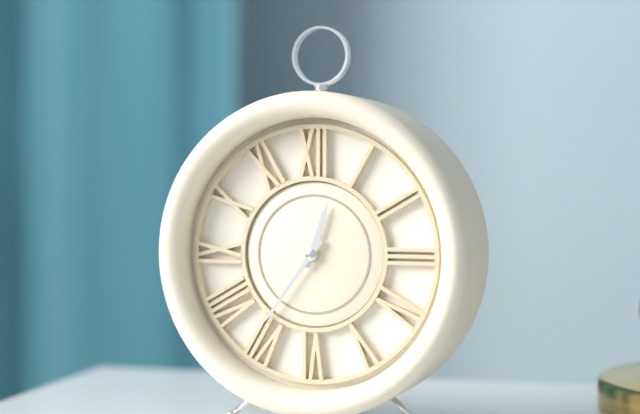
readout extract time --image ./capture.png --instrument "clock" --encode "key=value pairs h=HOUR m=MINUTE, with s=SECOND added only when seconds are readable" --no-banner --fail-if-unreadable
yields h=12 m=36
